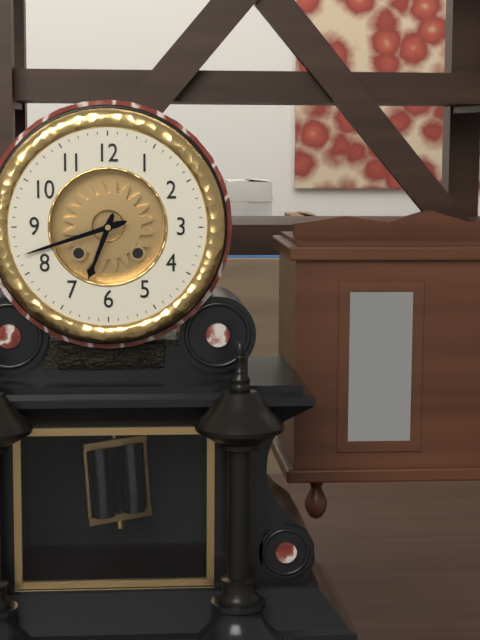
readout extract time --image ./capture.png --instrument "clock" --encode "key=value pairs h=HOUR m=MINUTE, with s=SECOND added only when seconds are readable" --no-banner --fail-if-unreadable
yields h=6 m=42
